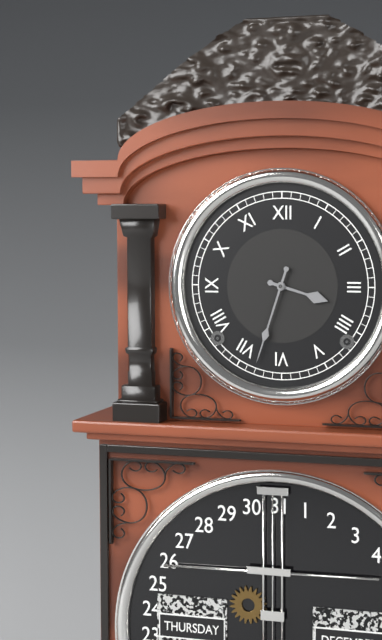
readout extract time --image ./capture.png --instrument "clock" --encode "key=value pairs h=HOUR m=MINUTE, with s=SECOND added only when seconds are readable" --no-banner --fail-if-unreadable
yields h=3 m=33
